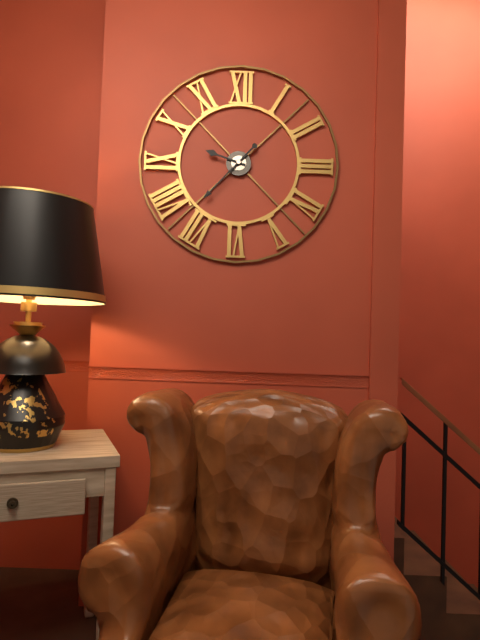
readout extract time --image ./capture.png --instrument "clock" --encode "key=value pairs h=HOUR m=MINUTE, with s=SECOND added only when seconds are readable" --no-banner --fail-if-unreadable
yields h=9 m=37
